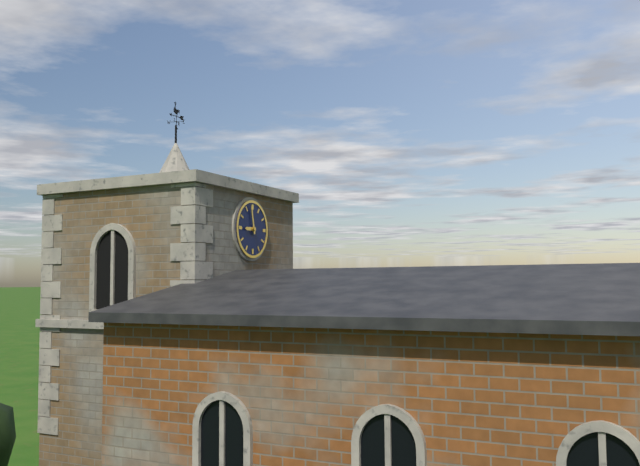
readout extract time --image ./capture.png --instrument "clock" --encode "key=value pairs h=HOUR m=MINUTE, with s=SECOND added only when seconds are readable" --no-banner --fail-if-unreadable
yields h=8 m=58
